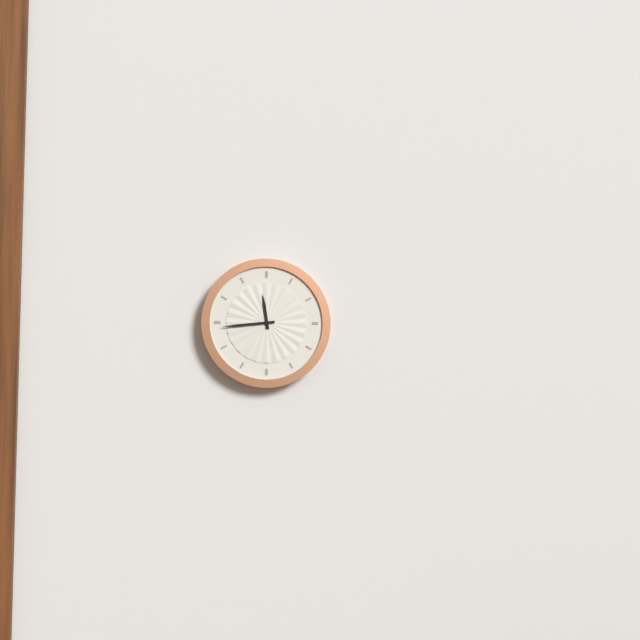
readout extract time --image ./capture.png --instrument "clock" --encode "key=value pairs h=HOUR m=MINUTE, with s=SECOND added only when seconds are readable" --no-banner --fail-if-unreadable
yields h=11 m=44
